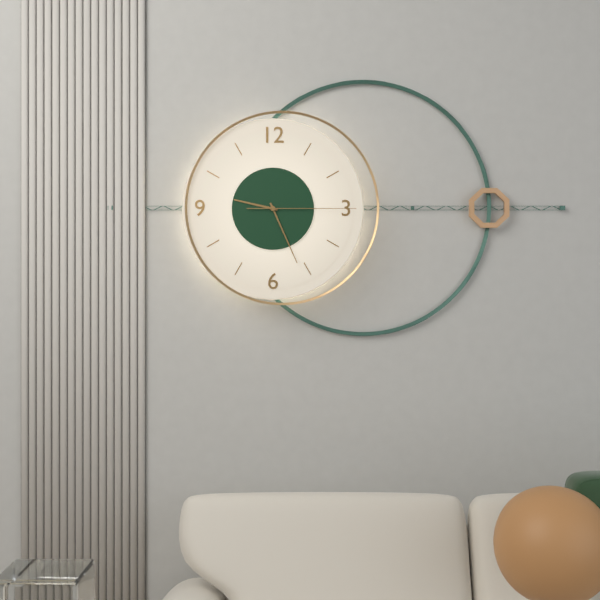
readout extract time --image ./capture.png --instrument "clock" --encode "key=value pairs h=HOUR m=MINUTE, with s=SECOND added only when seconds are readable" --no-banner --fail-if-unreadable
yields h=9 m=26 s=15
